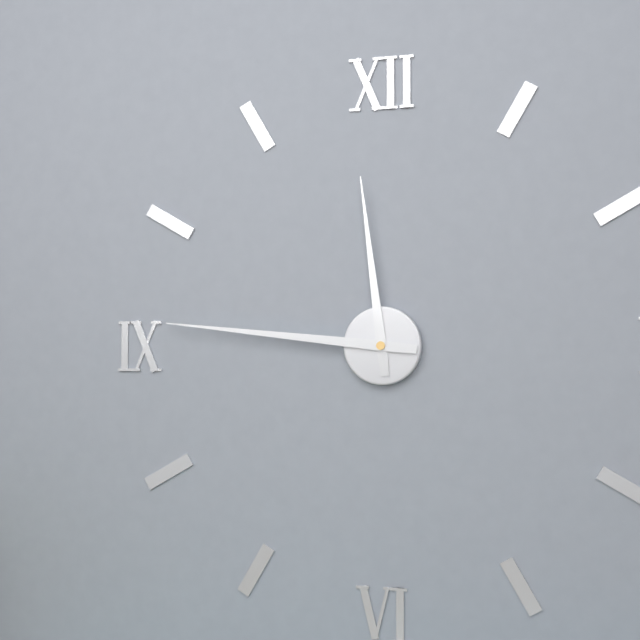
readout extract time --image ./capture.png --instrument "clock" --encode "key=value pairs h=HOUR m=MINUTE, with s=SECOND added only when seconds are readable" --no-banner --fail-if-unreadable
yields h=11 m=46
